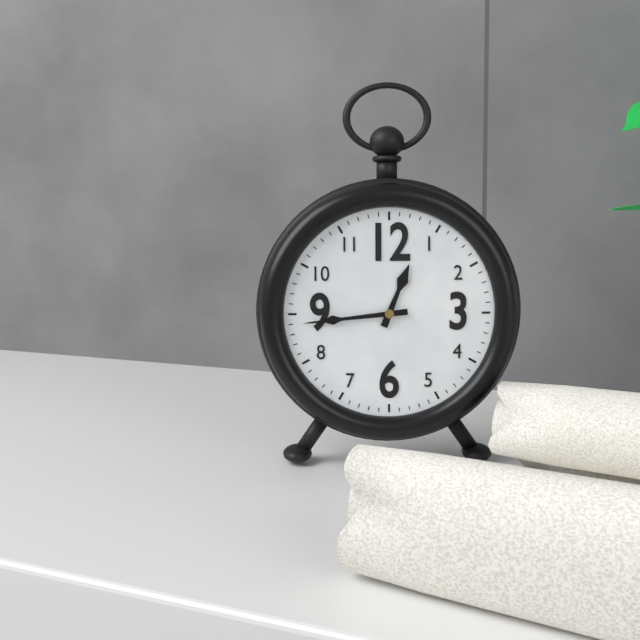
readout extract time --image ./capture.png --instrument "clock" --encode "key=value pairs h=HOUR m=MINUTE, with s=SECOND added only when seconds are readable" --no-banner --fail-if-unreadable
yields h=12 m=44
